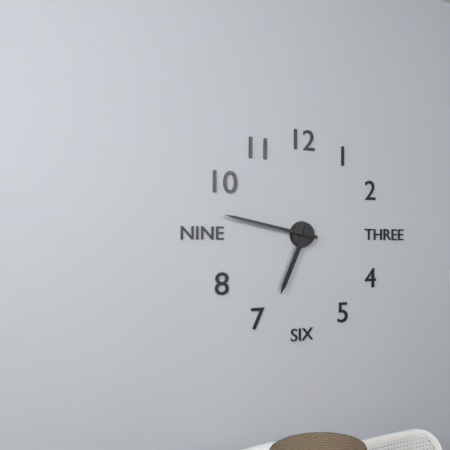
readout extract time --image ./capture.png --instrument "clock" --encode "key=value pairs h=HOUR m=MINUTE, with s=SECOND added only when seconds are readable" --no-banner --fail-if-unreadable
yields h=6 m=47
